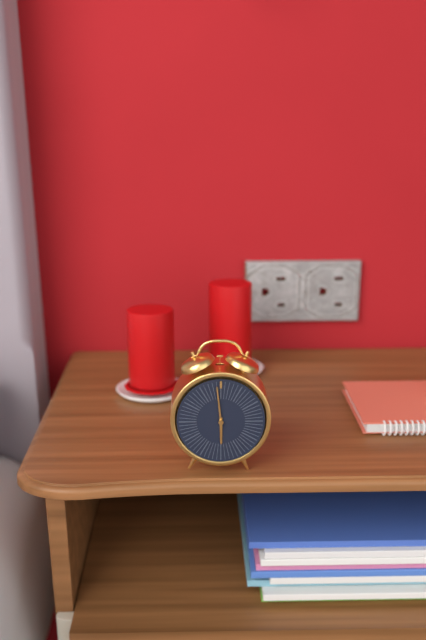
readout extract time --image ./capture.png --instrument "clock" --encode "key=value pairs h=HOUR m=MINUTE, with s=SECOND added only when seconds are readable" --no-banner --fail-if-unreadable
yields h=5 m=59
